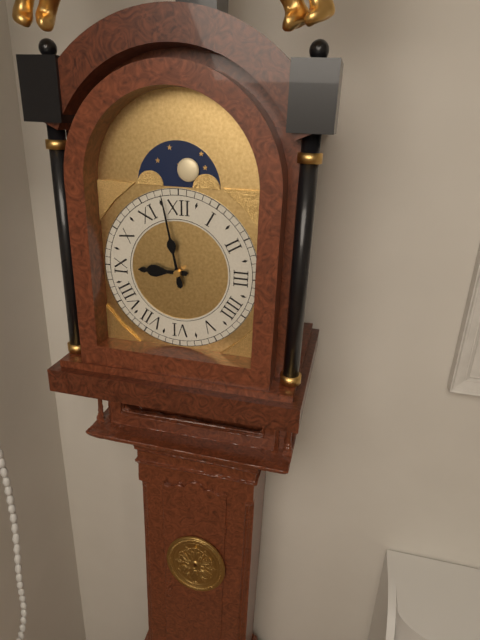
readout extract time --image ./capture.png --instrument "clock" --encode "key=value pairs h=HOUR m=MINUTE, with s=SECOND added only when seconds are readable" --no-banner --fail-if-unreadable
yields h=8 m=58
